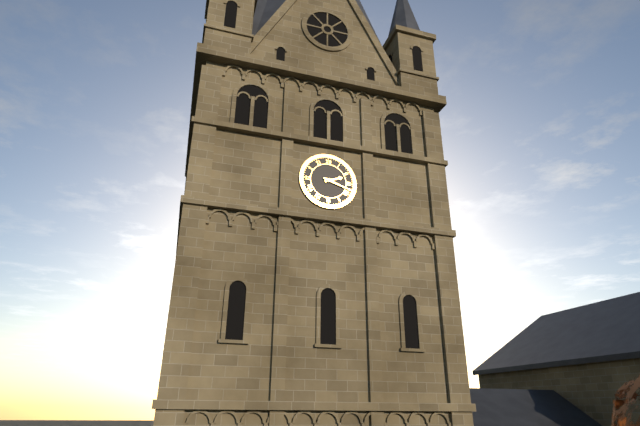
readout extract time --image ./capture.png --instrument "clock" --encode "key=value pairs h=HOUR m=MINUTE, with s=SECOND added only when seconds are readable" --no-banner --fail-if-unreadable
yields h=2 m=18
